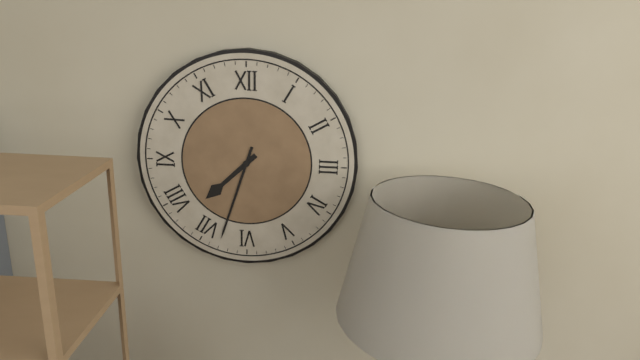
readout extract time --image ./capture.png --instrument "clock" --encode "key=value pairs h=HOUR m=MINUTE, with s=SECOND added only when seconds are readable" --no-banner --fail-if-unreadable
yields h=7 m=33
